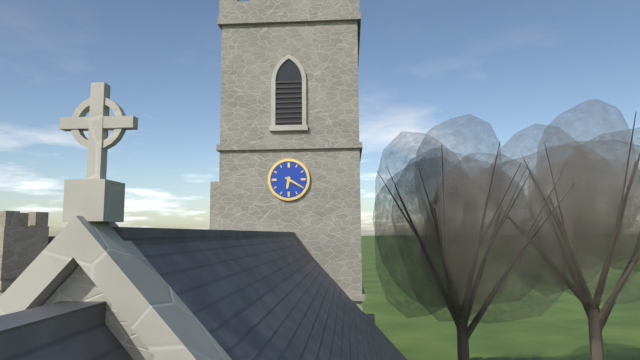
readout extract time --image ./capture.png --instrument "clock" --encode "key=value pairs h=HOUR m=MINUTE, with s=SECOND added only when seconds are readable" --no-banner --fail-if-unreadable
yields h=6 m=20
